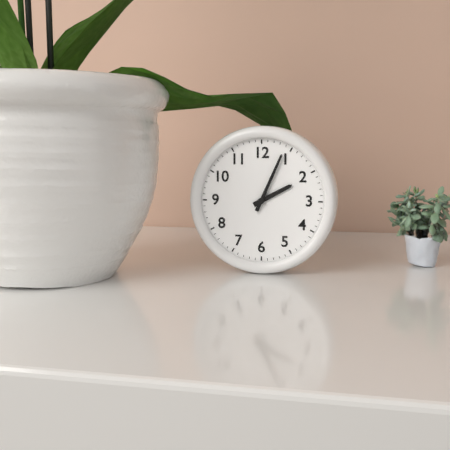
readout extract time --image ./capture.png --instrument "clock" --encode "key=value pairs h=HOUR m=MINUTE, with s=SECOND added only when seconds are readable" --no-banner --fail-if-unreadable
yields h=2 m=4
